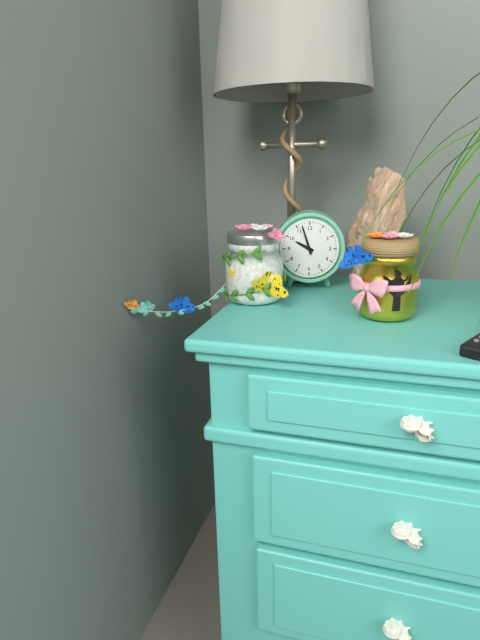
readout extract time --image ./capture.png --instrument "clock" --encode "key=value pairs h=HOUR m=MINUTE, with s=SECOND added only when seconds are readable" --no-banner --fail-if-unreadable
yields h=9 m=57
